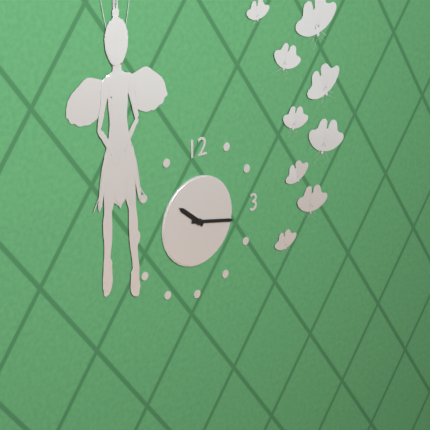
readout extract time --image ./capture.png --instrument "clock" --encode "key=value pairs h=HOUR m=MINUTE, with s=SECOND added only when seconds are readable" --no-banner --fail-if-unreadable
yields h=10 m=17
